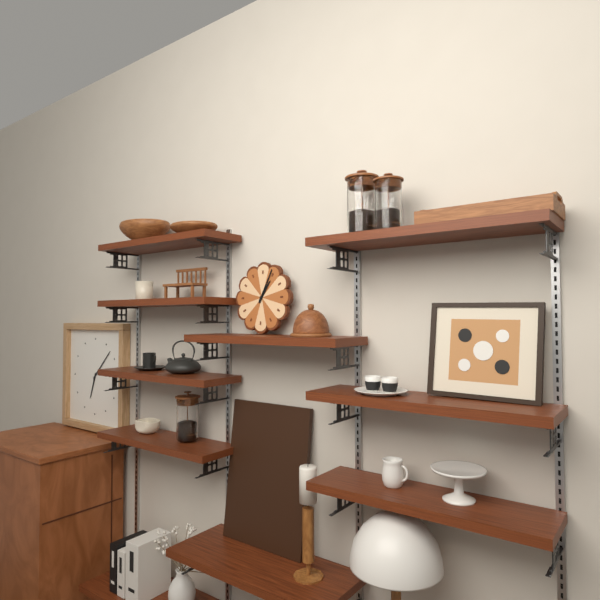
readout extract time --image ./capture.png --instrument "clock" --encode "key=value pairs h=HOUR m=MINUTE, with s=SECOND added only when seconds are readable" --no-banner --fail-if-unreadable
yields h=1 m=4
